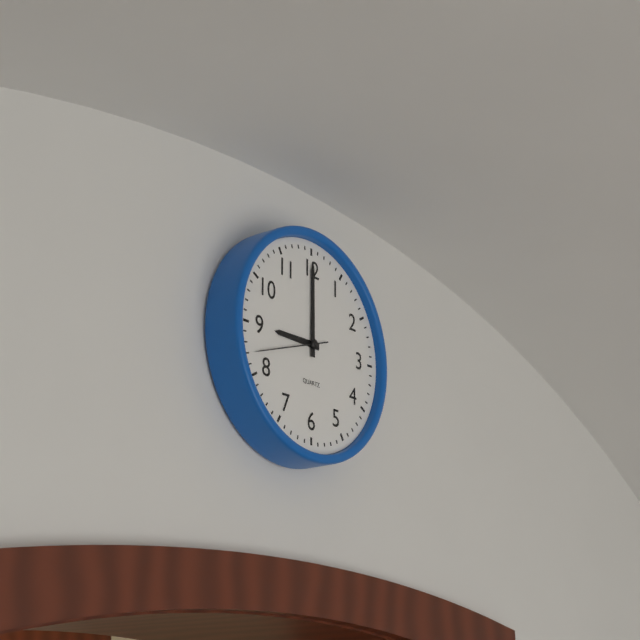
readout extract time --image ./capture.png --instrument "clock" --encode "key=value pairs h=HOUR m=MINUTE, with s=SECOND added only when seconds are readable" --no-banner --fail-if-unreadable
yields h=9 m=0 s=42
